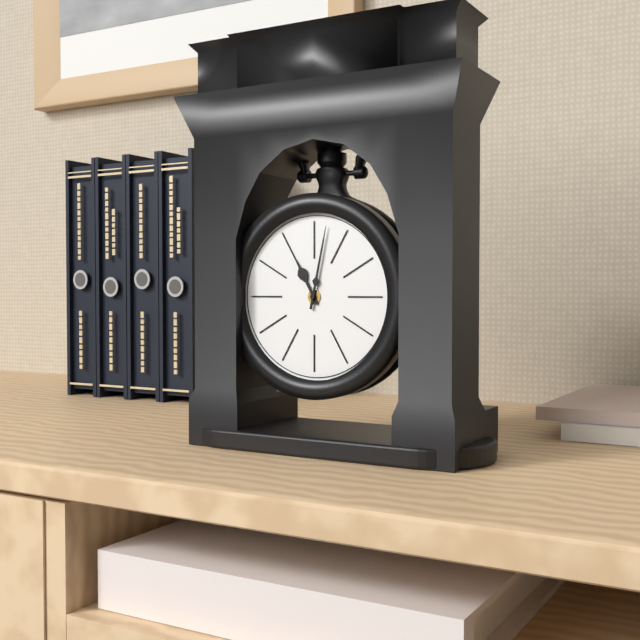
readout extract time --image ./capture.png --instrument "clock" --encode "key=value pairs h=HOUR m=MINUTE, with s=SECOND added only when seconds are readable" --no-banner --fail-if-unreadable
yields h=11 m=2
